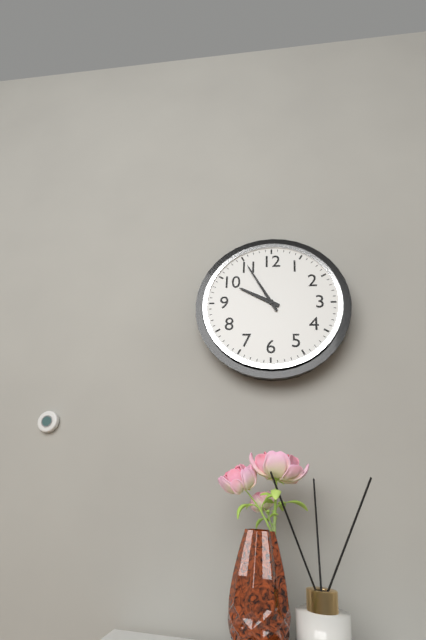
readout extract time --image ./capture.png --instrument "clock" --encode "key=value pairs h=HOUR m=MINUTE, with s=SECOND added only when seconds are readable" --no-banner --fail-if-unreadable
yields h=9 m=55
